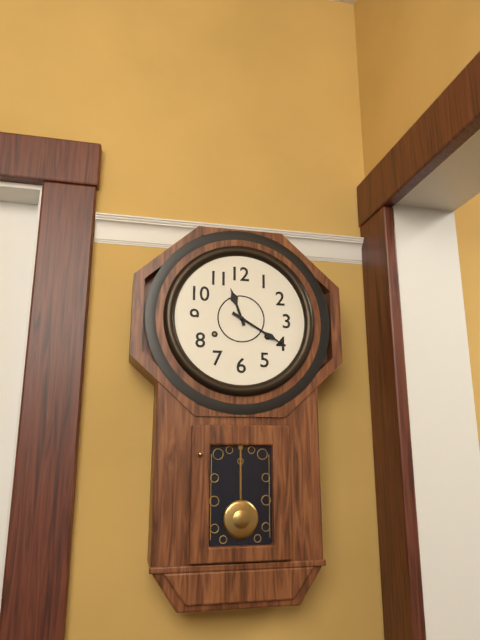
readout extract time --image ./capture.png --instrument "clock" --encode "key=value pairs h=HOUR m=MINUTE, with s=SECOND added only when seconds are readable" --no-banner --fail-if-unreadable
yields h=11 m=20
